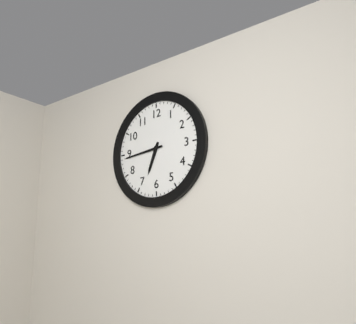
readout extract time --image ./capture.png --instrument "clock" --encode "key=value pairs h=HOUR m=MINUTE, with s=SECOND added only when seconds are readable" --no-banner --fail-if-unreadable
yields h=6 m=44
